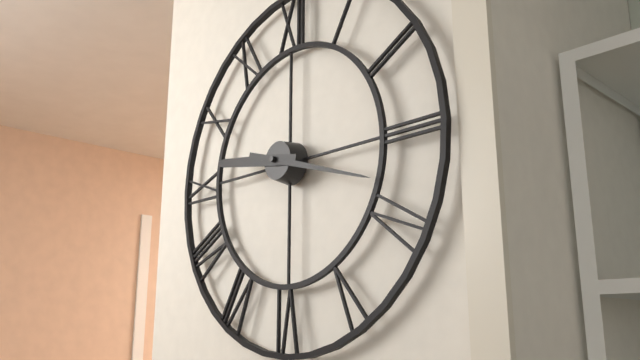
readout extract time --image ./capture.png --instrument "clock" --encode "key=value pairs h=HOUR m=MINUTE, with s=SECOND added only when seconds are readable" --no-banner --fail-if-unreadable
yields h=9 m=18
